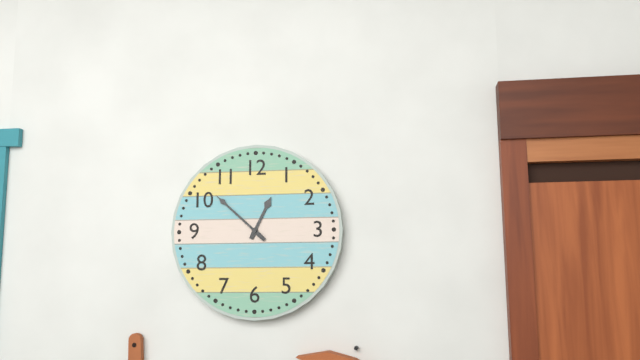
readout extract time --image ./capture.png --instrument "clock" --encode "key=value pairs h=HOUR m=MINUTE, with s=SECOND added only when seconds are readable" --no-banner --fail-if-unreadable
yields h=12 m=52
